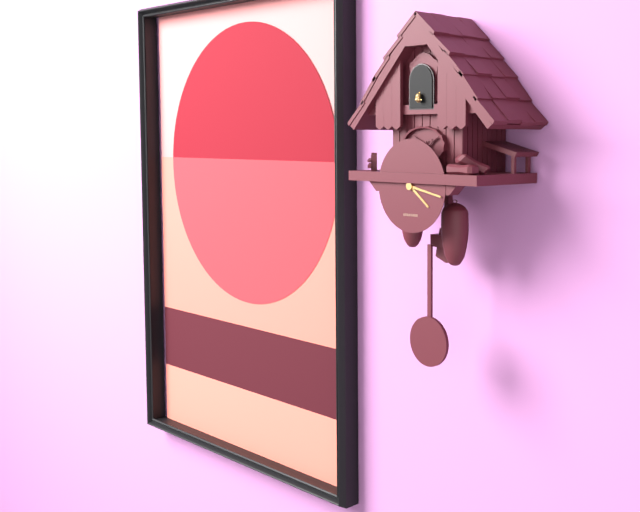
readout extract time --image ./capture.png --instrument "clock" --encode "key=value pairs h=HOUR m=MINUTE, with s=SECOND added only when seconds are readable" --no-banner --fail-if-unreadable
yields h=4 m=17
